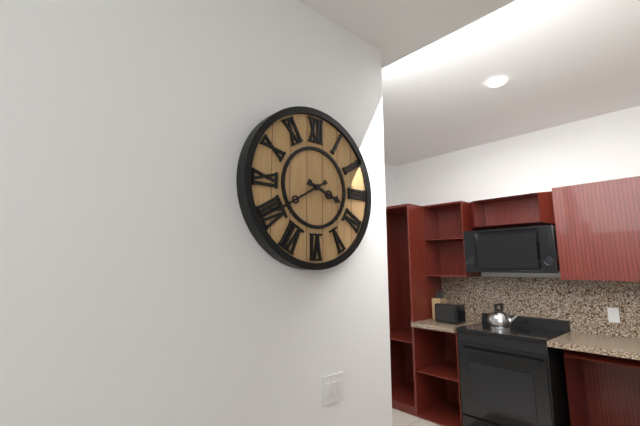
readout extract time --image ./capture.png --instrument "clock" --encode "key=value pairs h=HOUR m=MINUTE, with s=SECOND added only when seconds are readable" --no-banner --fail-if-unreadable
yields h=3 m=40
